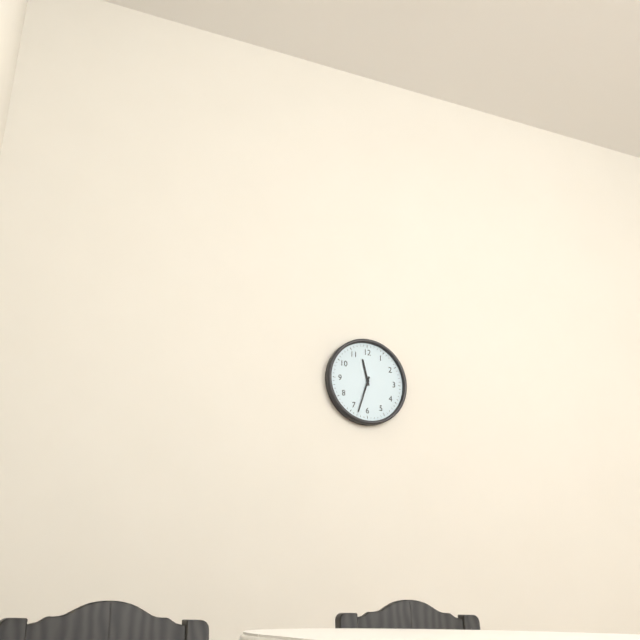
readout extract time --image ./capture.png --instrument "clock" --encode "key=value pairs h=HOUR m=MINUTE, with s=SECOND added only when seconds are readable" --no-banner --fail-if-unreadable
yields h=11 m=33
